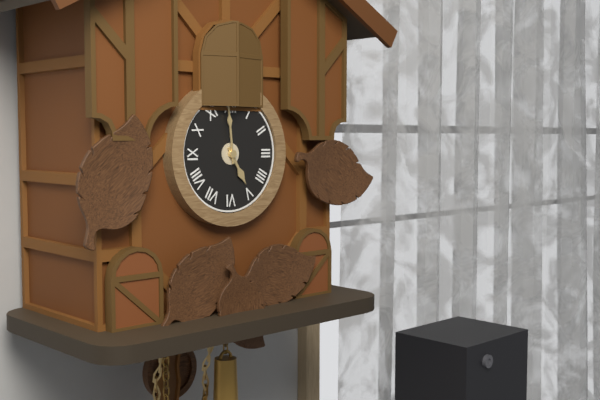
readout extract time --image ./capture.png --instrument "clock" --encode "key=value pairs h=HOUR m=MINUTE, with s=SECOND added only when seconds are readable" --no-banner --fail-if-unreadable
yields h=4 m=59
